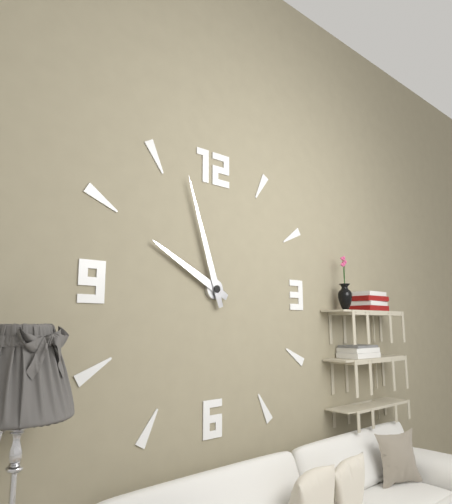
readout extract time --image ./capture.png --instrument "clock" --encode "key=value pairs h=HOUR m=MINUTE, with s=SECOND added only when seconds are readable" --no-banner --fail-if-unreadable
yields h=9 m=57
